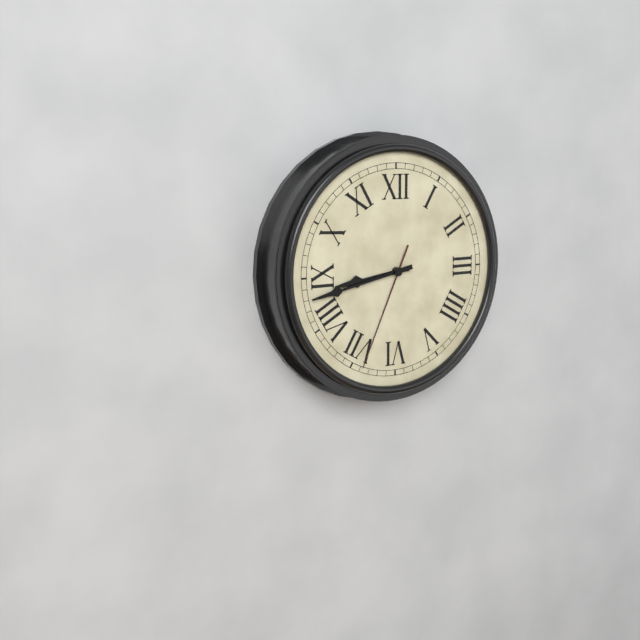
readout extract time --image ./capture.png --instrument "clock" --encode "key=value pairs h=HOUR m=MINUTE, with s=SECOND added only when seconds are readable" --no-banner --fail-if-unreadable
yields h=8 m=43 s=34
